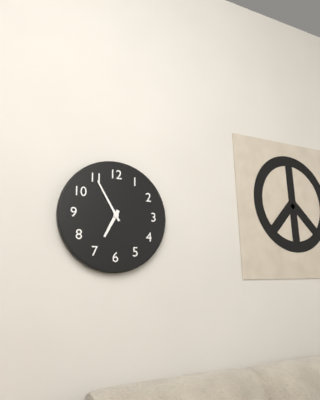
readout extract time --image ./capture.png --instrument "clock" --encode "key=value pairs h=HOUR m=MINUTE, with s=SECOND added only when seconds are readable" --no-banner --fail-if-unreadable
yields h=6 m=55
